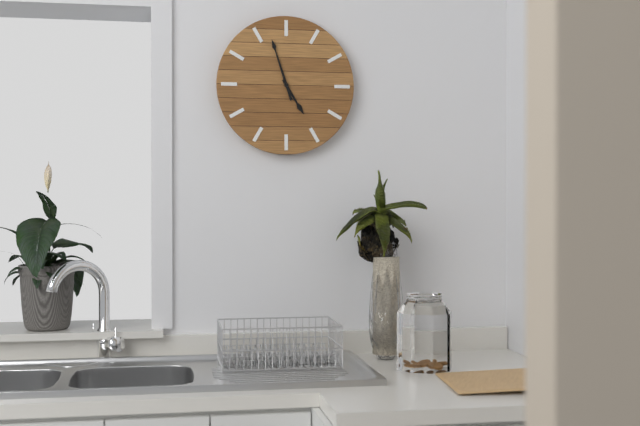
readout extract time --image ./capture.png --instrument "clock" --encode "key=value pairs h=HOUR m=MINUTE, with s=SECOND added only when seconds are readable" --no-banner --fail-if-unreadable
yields h=4 m=57
